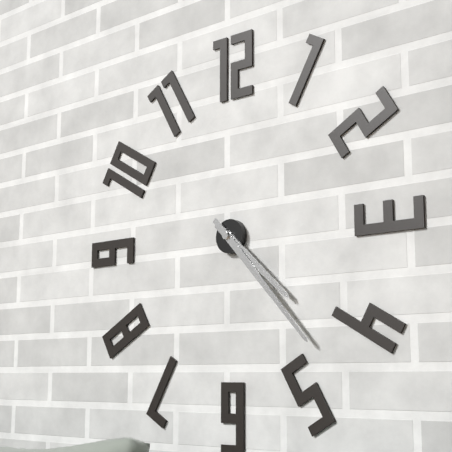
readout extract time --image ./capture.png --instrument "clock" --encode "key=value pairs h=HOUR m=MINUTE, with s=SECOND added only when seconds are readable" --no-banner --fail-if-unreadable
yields h=4 m=23
